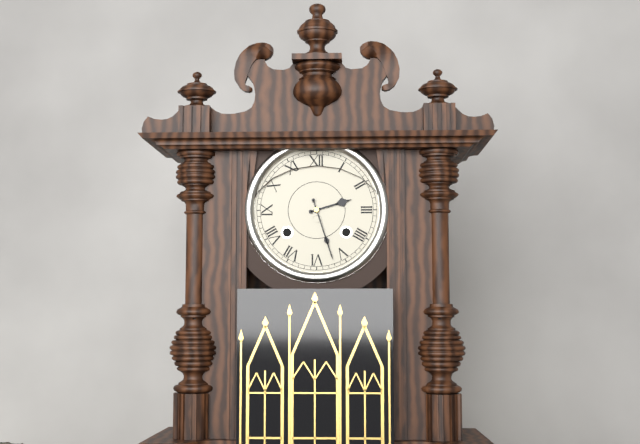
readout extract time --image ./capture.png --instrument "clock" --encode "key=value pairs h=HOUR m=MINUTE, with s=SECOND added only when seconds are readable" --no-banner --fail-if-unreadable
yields h=2 m=27
